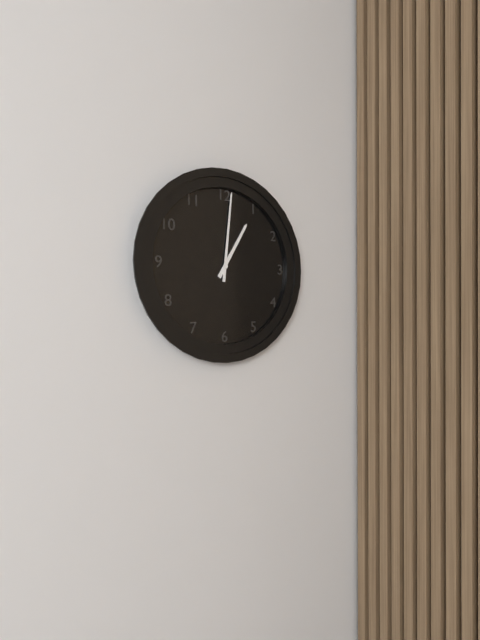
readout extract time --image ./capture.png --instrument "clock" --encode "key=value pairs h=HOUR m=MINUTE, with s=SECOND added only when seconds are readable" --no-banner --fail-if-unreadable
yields h=1 m=1
